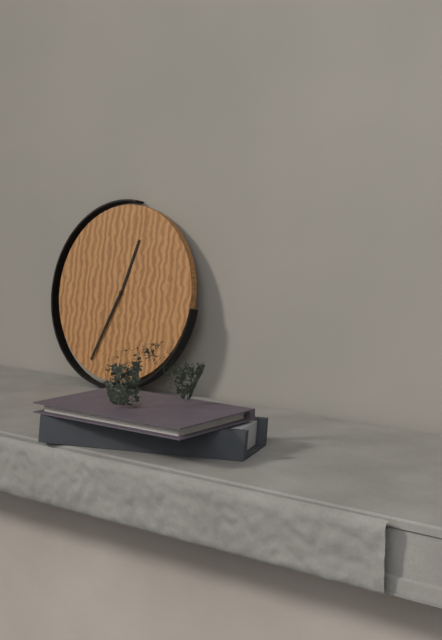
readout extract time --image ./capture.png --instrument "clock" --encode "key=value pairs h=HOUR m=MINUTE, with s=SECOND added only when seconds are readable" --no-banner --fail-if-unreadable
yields h=12 m=34
